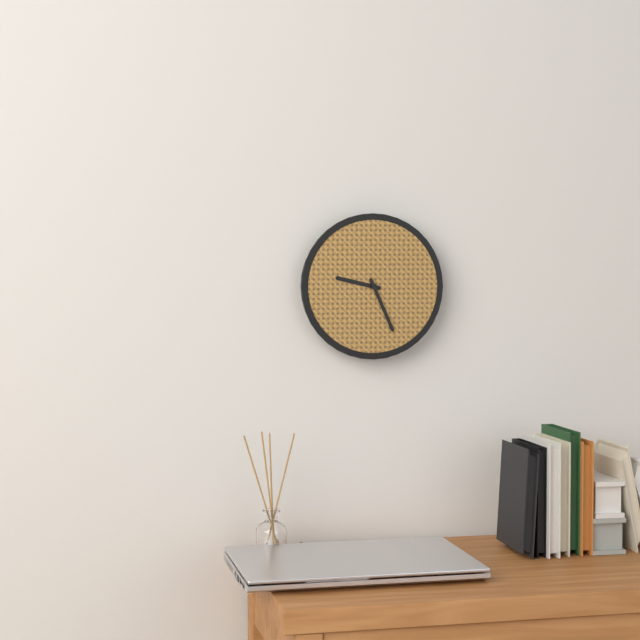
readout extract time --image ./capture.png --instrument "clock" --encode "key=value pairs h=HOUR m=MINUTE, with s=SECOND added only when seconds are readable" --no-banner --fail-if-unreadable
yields h=9 m=26
